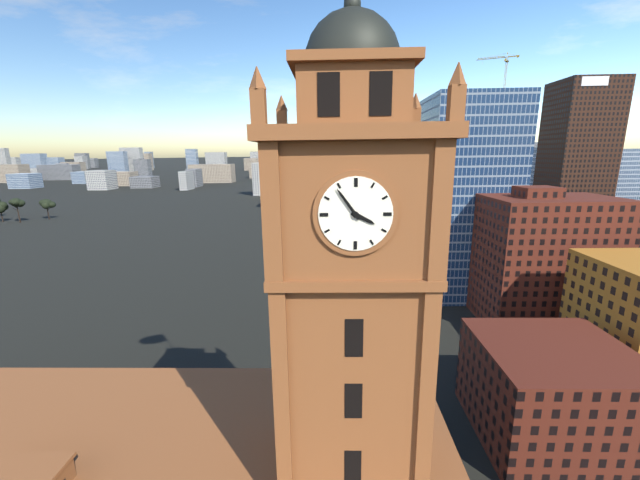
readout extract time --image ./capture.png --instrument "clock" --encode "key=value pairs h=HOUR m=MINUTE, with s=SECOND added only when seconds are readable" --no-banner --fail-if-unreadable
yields h=3 m=54
